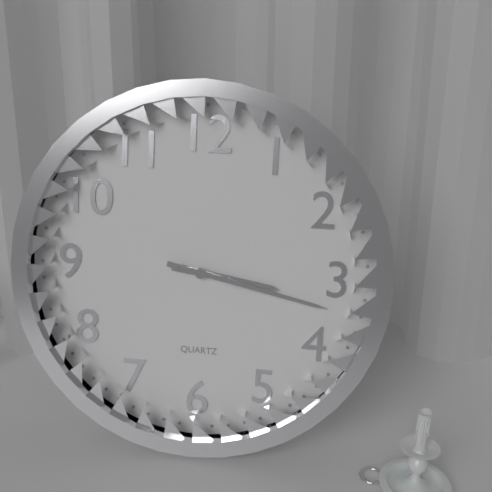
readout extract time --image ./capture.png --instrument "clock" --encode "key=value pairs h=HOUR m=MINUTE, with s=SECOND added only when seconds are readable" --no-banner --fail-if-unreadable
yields h=3 m=17
